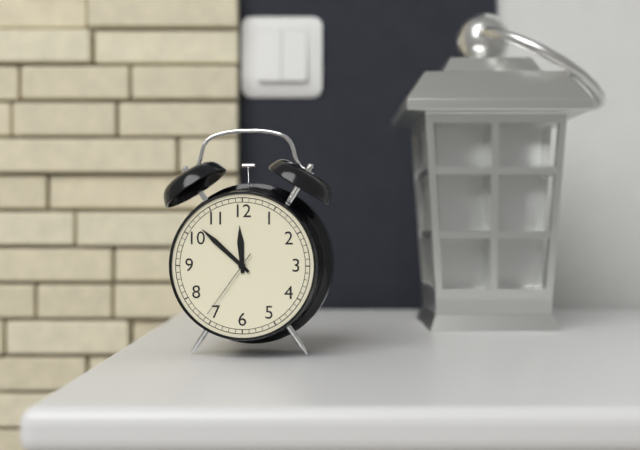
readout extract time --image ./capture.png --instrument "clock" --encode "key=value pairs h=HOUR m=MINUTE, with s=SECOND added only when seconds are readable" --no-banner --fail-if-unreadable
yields h=11 m=52 s=36
